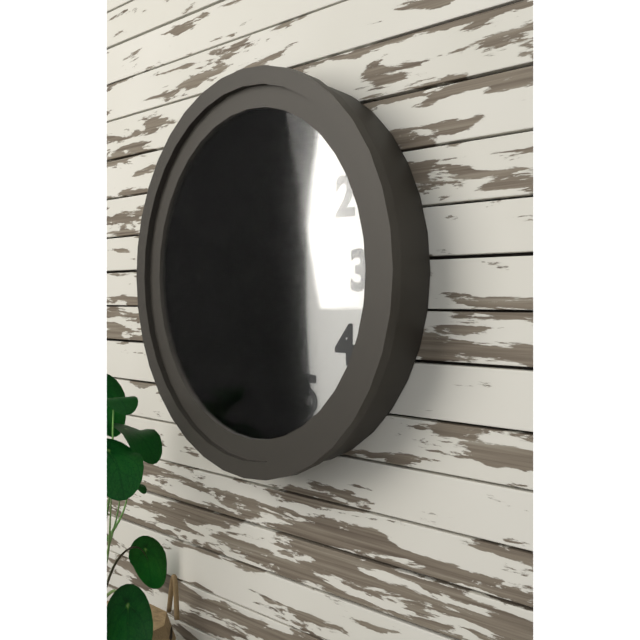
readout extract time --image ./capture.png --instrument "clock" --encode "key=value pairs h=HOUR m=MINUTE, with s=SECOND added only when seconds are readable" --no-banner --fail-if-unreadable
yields h=11 m=55 s=39
